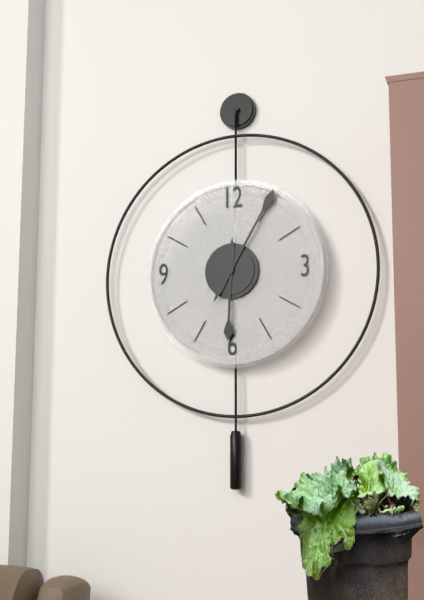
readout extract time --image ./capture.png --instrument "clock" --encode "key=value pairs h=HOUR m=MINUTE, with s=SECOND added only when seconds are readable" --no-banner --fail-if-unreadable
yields h=6 m=5
